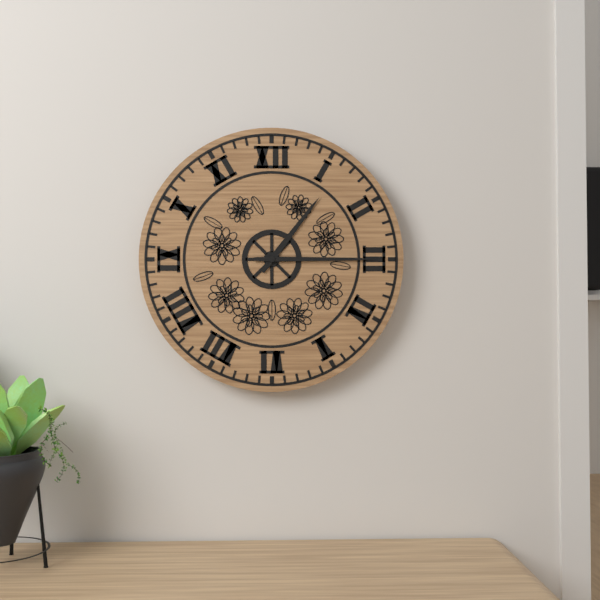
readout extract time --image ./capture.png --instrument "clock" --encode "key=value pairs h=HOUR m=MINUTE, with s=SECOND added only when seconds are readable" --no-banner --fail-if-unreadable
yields h=1 m=15
